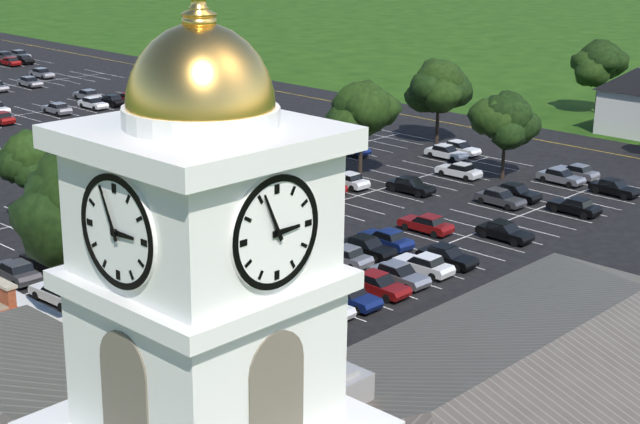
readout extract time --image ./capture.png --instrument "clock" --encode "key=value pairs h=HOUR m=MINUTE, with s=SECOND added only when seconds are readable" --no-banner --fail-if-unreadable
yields h=2 m=56
